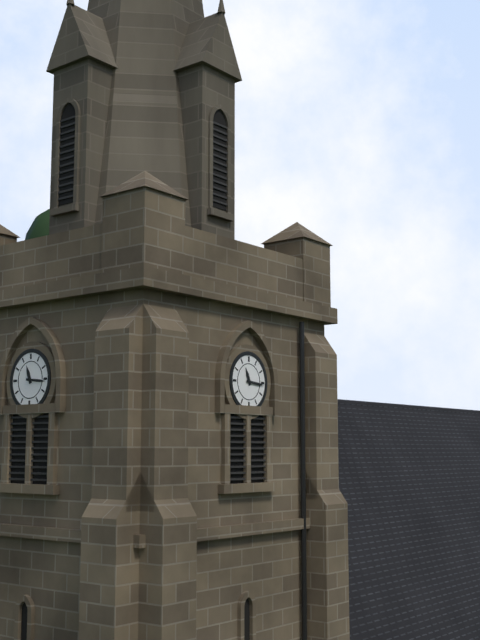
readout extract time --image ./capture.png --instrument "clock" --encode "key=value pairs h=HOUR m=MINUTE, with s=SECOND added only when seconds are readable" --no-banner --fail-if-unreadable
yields h=11 m=16
